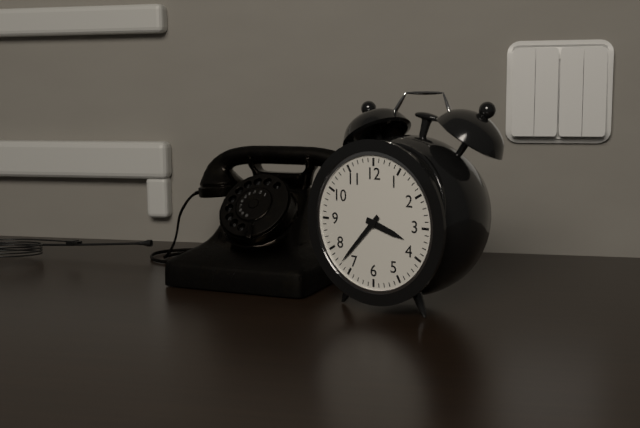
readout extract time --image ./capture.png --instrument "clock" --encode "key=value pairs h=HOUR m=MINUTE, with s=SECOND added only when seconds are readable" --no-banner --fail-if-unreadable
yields h=3 m=37
